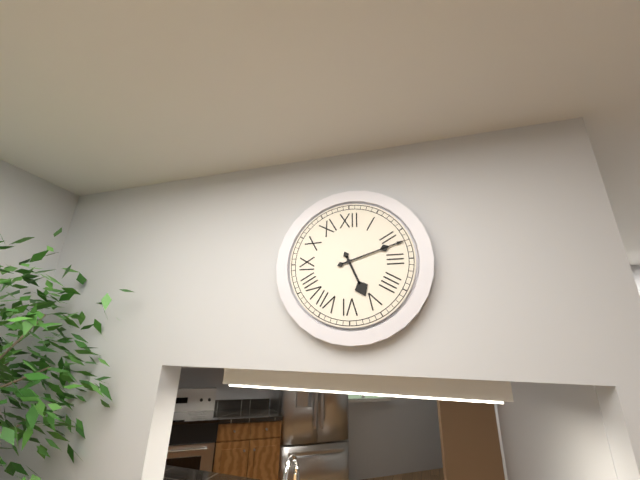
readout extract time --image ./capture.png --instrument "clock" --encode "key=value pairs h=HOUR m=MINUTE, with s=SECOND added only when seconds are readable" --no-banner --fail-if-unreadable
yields h=5 m=12
